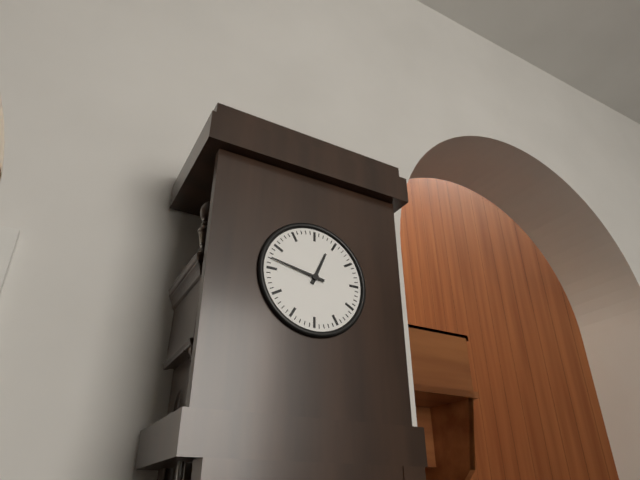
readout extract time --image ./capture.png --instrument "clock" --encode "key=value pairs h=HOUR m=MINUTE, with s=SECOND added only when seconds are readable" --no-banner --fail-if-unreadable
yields h=12 m=47
